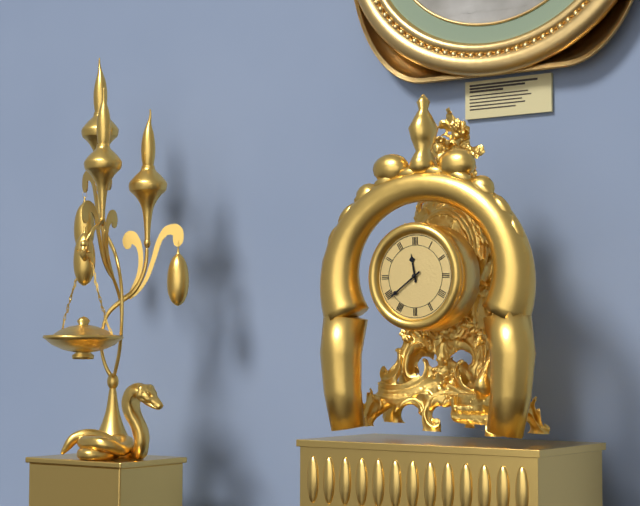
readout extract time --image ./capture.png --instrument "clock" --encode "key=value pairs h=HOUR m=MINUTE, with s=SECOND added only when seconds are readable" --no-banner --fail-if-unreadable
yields h=11 m=39
